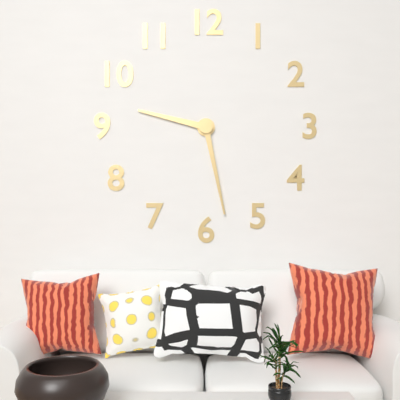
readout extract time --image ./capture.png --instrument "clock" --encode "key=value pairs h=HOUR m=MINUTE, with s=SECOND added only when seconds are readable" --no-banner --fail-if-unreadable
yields h=9 m=28
